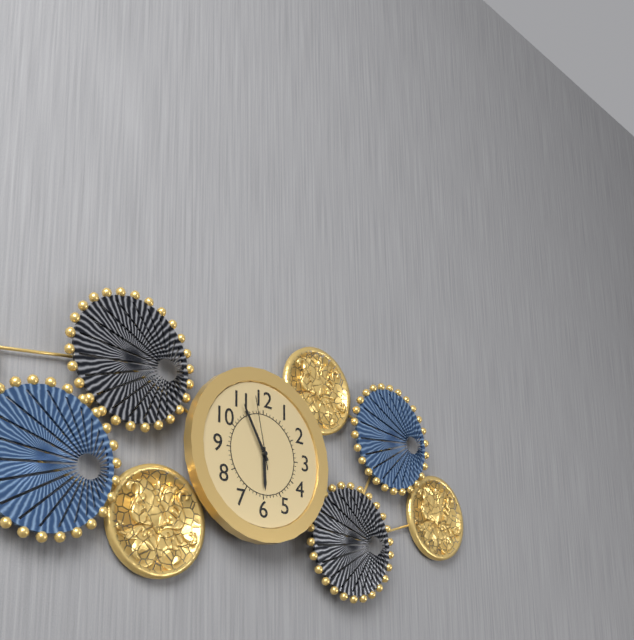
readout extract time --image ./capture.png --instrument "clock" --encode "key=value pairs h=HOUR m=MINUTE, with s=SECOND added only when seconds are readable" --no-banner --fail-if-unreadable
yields h=5 m=55 s=58
